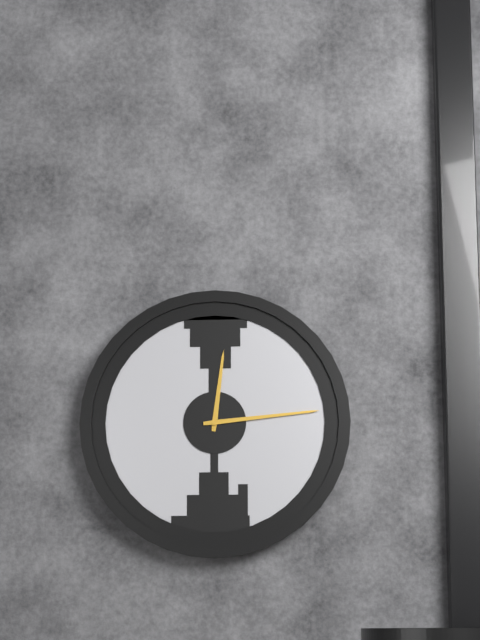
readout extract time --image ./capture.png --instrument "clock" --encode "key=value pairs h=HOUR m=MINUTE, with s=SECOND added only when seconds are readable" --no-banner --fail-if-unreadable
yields h=12 m=14
